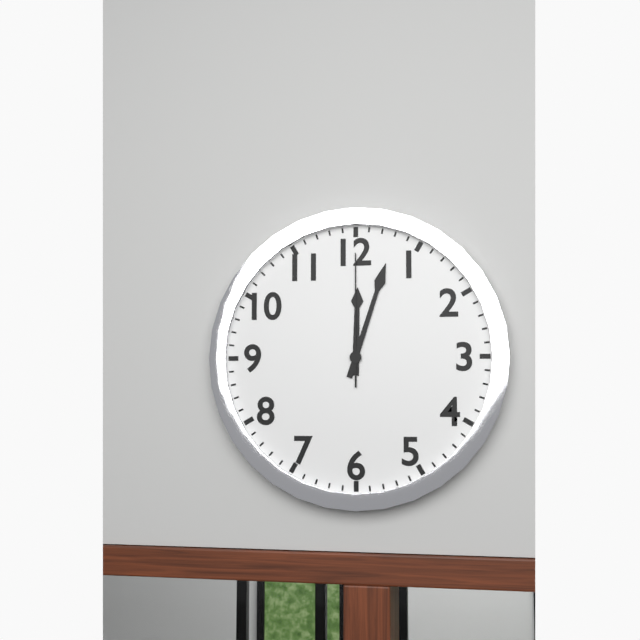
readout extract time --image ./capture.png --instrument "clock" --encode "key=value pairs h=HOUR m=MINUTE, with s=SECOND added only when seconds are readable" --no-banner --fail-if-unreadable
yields h=12 m=3 s=0
